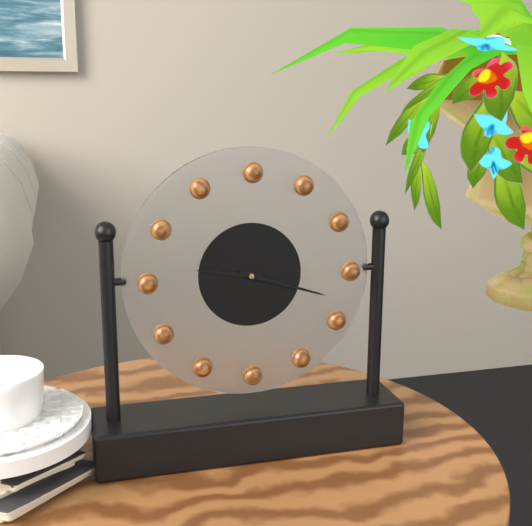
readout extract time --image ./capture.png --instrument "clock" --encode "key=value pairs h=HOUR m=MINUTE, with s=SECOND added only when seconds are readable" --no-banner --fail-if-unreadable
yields h=9 m=18
